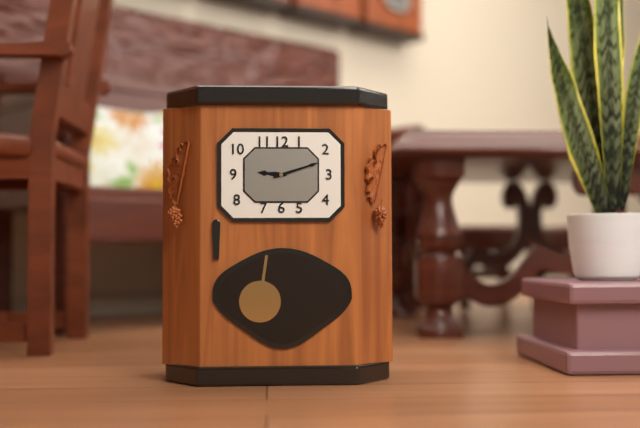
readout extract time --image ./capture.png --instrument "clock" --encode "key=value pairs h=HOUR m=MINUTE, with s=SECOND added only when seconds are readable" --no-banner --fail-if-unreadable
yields h=9 m=12
